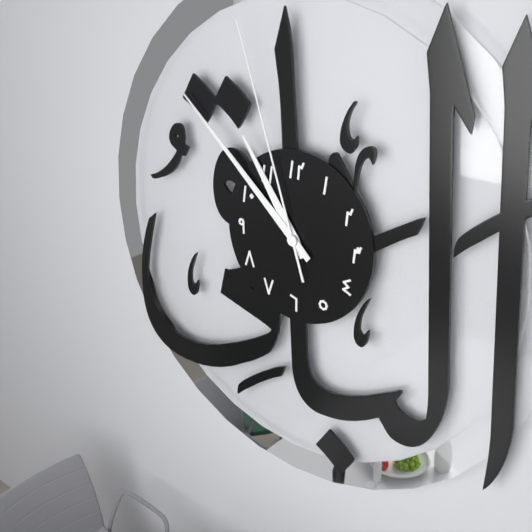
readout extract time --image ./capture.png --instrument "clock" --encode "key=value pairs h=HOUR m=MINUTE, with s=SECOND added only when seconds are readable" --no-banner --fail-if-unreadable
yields h=10 m=52 s=57
